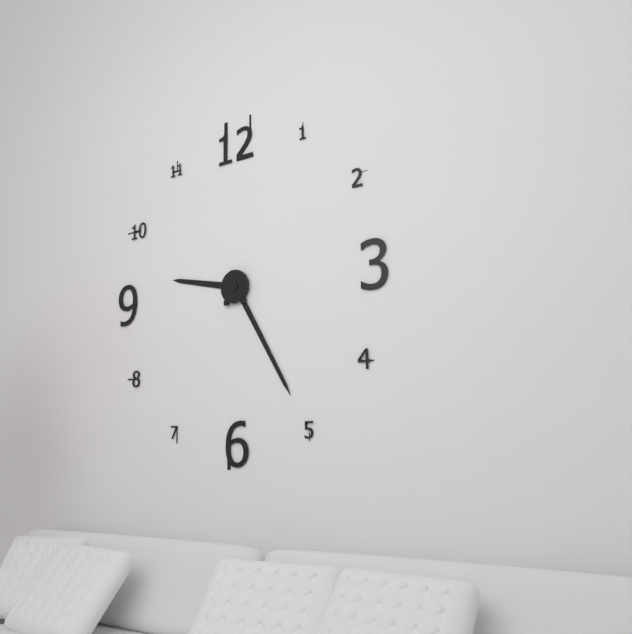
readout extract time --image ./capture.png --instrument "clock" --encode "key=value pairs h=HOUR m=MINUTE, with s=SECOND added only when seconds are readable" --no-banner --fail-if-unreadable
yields h=9 m=25
